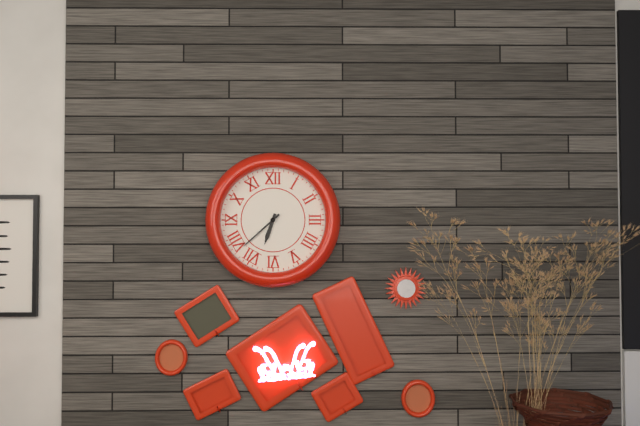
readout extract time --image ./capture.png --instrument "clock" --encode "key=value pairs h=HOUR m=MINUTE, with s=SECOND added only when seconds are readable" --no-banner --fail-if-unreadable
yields h=6 m=38
